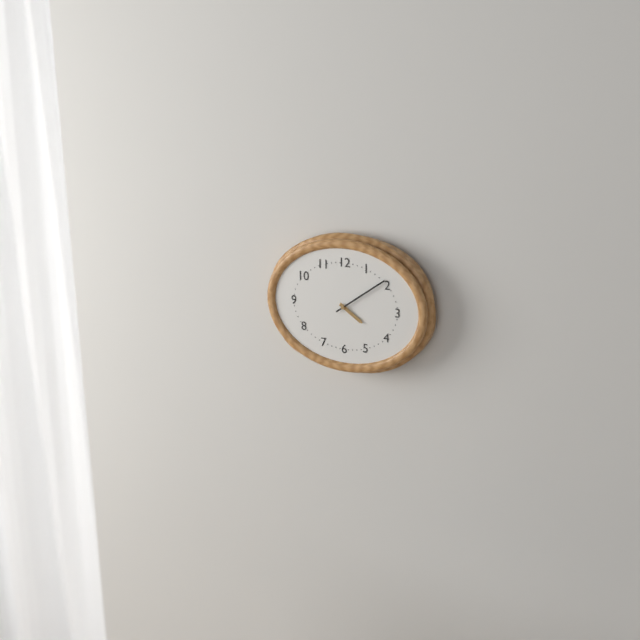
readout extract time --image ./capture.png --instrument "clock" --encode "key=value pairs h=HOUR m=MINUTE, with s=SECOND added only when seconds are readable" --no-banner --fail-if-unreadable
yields h=4 m=9
